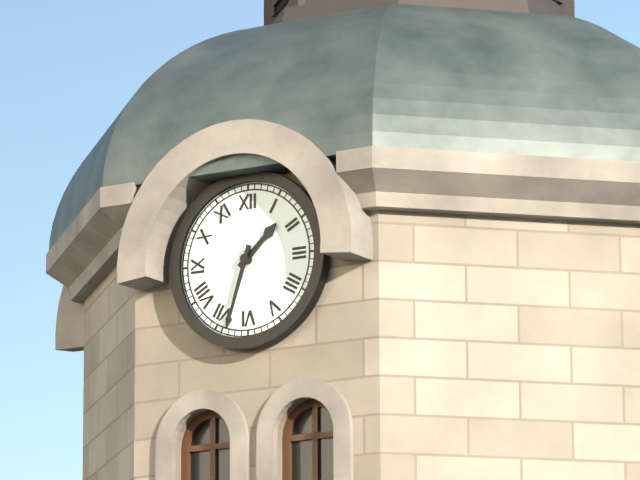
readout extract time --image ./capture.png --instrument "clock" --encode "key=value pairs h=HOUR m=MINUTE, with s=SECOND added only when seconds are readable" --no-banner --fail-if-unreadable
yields h=1 m=33
